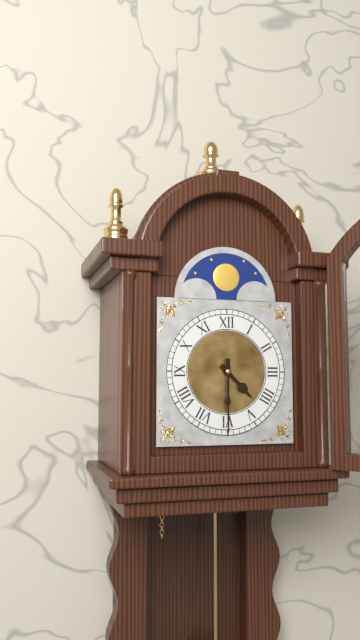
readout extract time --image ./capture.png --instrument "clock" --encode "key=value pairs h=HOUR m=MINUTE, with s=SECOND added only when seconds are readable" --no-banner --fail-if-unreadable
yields h=4 m=30
